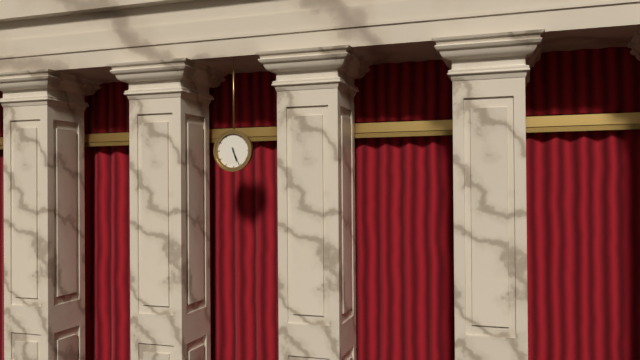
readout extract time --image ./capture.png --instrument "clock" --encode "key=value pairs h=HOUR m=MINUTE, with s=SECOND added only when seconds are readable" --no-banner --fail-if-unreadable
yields h=5 m=26
